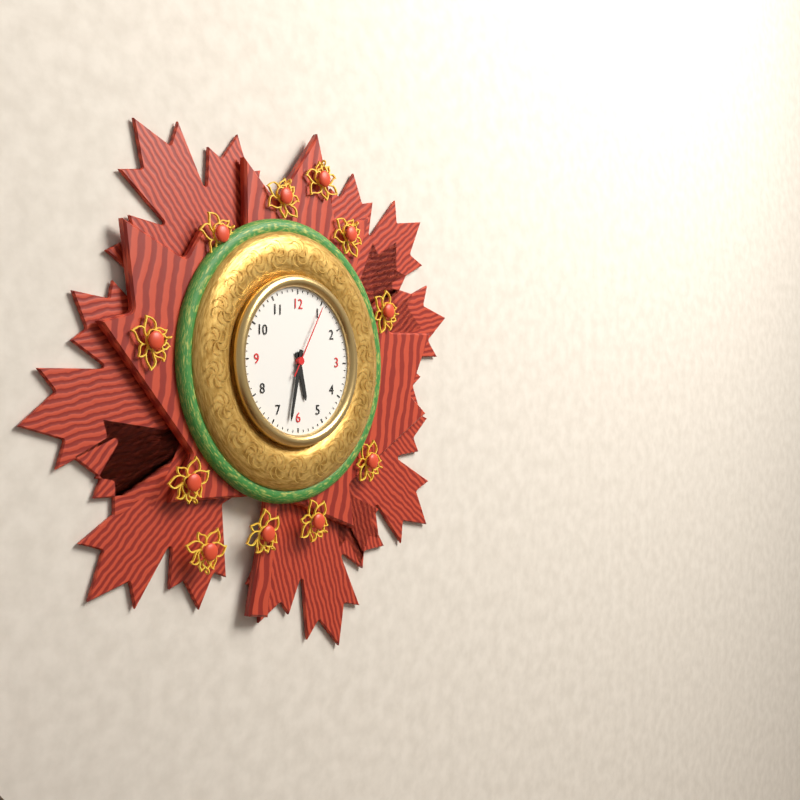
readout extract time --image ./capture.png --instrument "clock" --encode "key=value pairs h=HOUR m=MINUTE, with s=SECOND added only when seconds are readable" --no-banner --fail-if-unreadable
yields h=5 m=32 s=5
